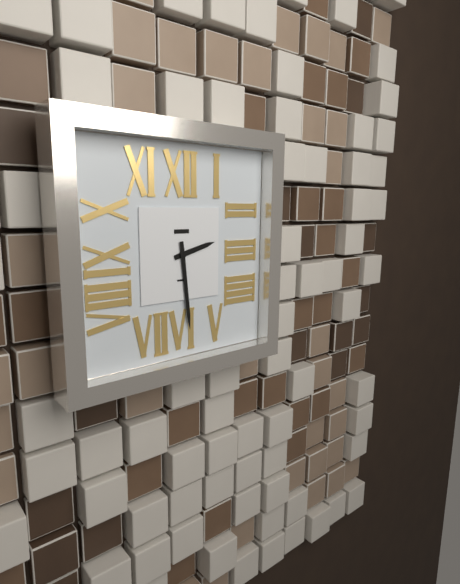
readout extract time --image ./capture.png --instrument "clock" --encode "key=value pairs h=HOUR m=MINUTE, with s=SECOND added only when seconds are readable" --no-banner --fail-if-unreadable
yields h=2 m=29
